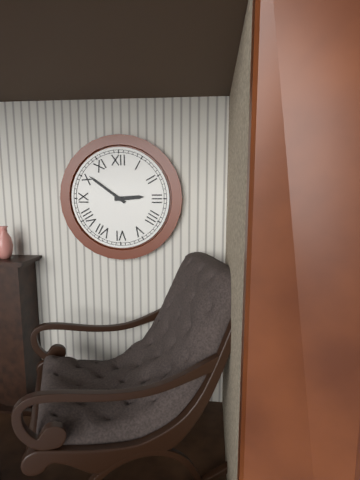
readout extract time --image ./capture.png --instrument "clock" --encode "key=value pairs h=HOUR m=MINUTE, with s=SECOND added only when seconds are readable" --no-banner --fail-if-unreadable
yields h=2 m=51
